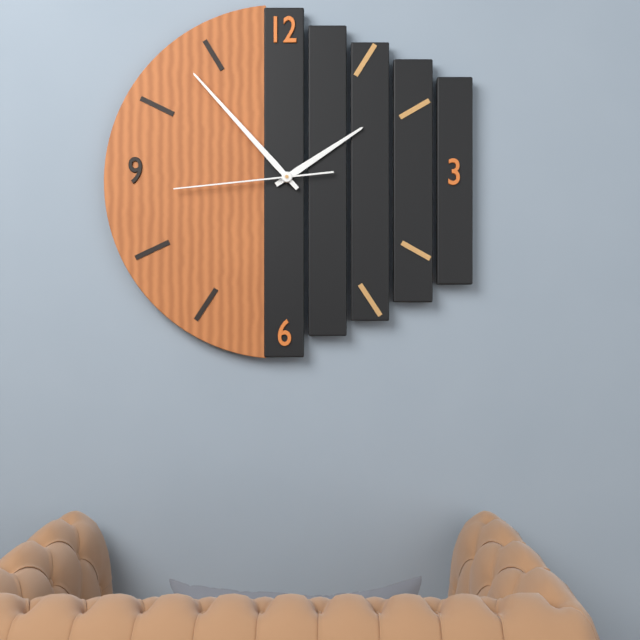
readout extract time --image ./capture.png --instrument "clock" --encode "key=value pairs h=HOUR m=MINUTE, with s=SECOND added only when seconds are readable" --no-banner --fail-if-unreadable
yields h=1 m=53 s=44
